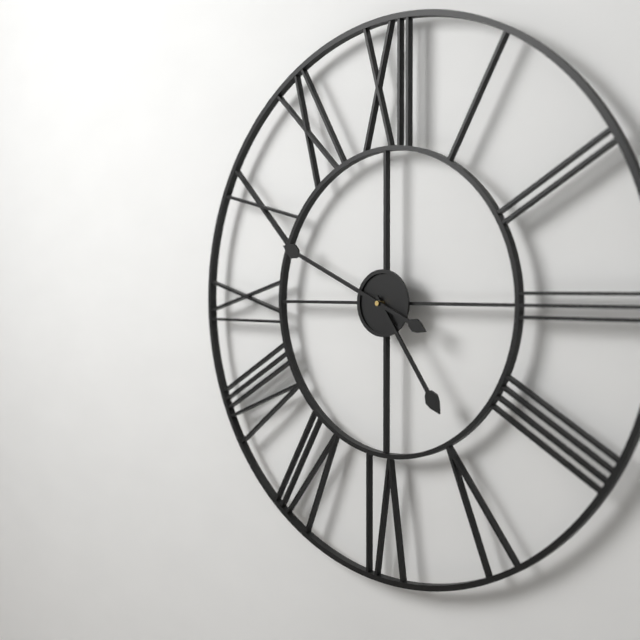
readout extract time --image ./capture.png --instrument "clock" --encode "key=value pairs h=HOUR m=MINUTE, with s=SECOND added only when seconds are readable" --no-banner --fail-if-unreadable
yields h=4 m=49
